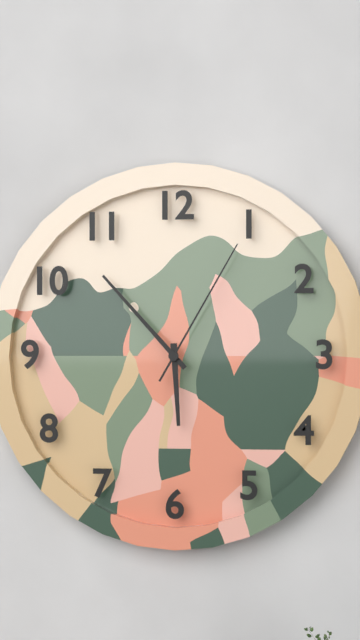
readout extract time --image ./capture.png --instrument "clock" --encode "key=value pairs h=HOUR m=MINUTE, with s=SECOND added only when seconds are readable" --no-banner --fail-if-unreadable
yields h=5 m=53 s=5
